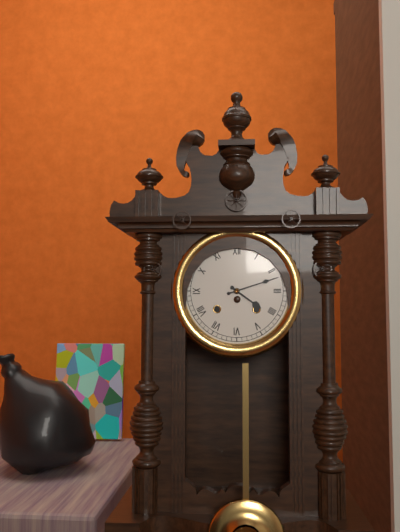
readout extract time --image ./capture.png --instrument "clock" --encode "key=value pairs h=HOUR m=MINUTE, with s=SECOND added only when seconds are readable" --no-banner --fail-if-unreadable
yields h=4 m=12
